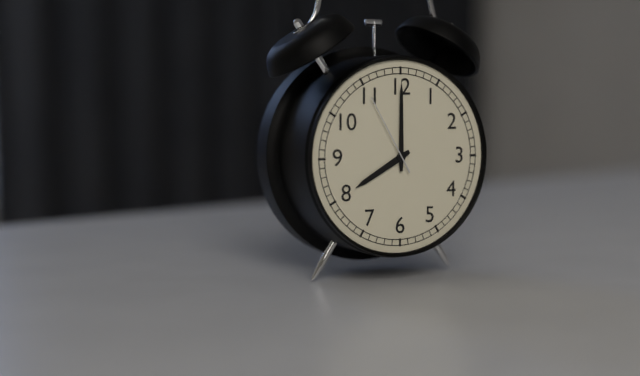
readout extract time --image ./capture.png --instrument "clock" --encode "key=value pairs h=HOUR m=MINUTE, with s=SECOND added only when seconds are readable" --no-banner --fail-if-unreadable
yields h=8 m=0 s=55
